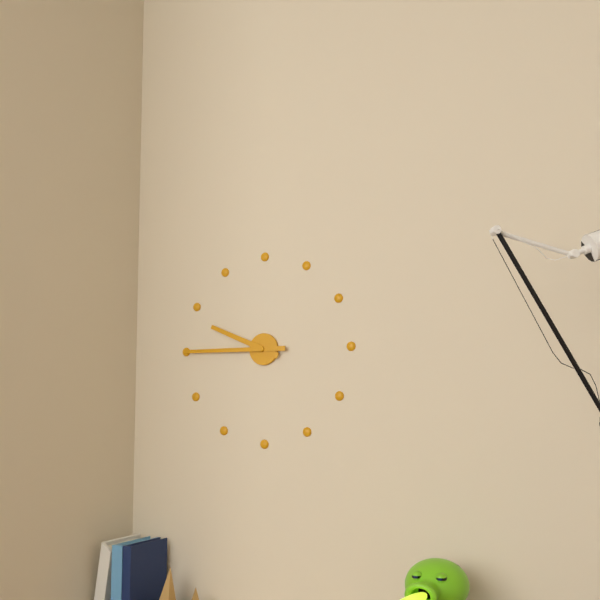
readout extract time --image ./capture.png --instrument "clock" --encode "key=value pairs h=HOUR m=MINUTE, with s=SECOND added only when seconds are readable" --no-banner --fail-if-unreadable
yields h=9 m=45
